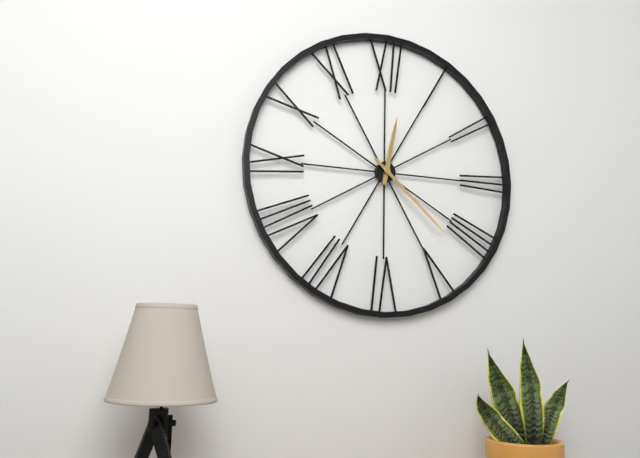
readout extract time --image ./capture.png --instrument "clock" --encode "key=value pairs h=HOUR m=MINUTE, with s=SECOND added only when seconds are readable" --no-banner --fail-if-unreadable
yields h=12 m=22
